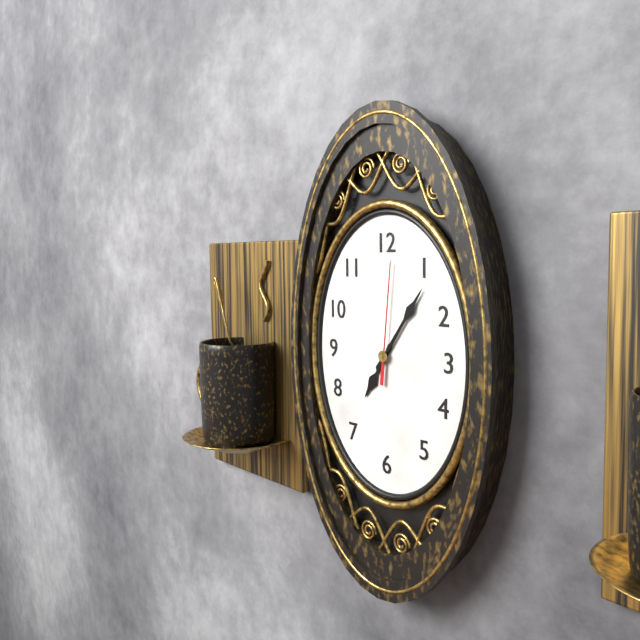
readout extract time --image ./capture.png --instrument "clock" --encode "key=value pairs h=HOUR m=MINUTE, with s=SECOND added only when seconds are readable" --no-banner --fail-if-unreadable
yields h=7 m=6 s=1
